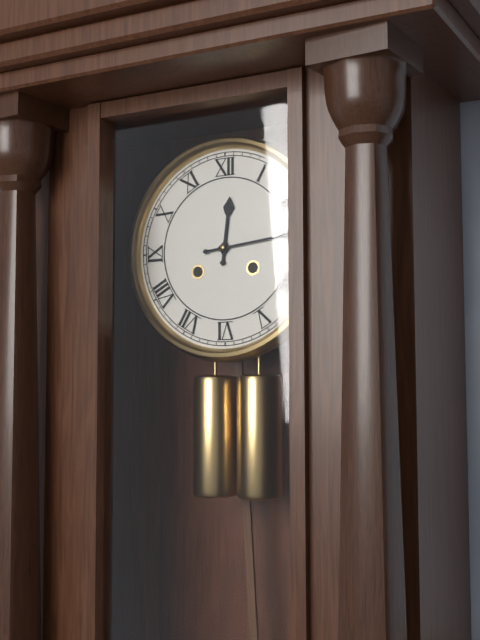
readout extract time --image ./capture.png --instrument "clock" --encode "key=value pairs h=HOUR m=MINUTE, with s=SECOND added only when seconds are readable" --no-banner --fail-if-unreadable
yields h=12 m=14
